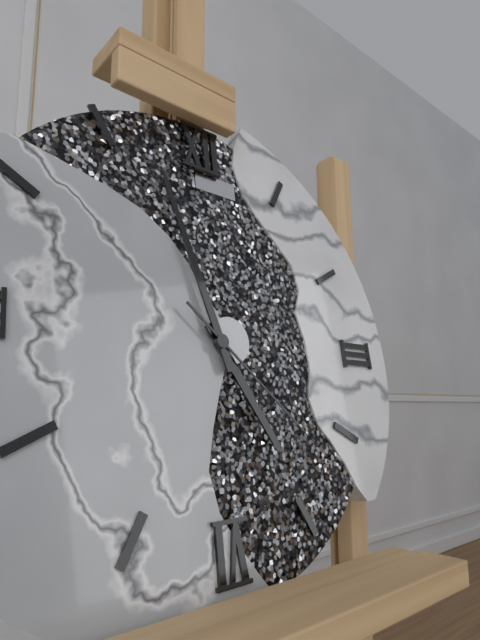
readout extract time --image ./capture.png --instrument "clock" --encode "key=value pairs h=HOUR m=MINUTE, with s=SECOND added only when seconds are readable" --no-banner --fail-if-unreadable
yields h=4 m=57 s=22
